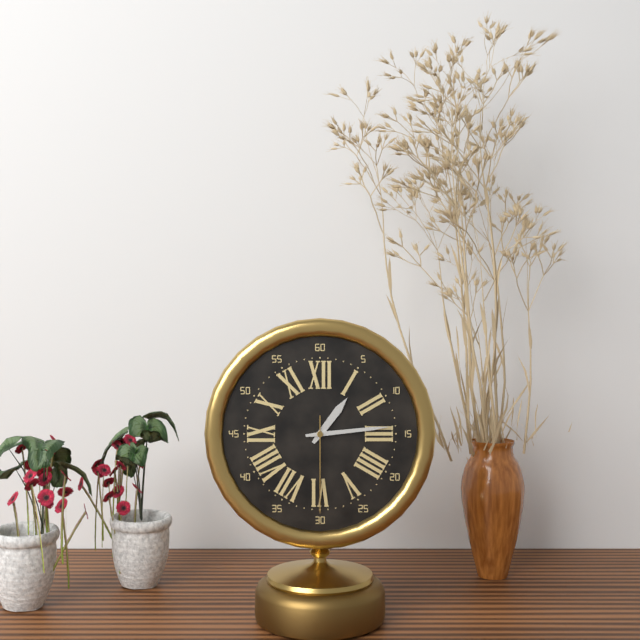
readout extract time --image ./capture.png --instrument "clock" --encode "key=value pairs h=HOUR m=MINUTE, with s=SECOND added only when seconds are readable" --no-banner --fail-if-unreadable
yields h=1 m=14 s=30
